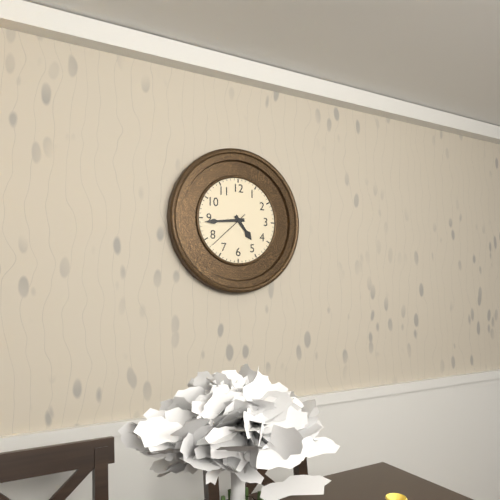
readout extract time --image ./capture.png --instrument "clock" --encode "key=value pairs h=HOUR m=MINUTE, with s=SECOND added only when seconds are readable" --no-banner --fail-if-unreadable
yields h=4 m=44
